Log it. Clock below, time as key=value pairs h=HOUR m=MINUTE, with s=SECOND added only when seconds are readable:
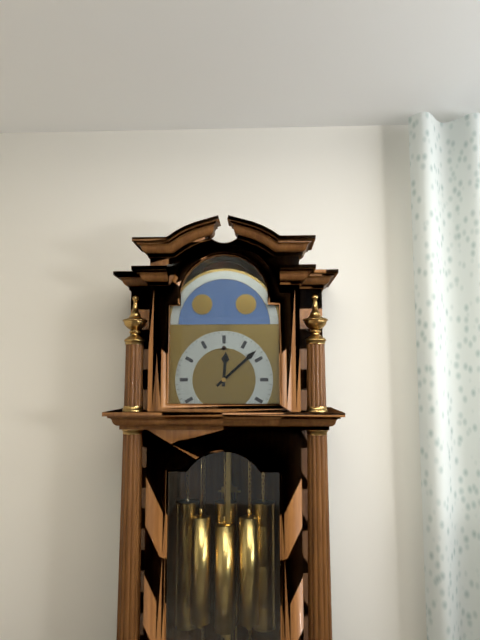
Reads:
h=12 m=8
